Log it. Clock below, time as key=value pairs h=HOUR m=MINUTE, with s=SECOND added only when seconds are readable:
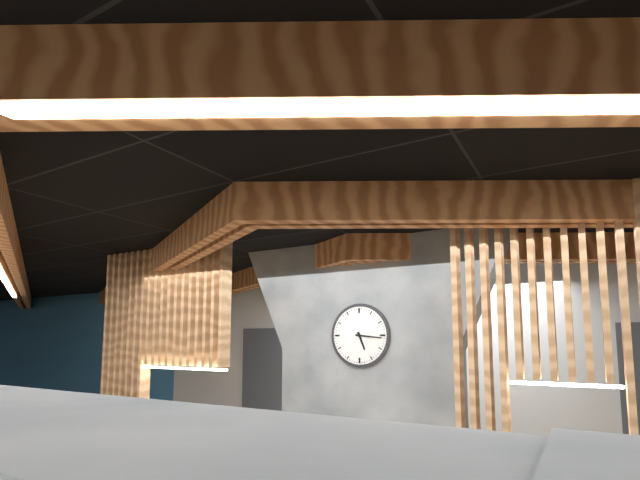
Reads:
h=5 m=16
